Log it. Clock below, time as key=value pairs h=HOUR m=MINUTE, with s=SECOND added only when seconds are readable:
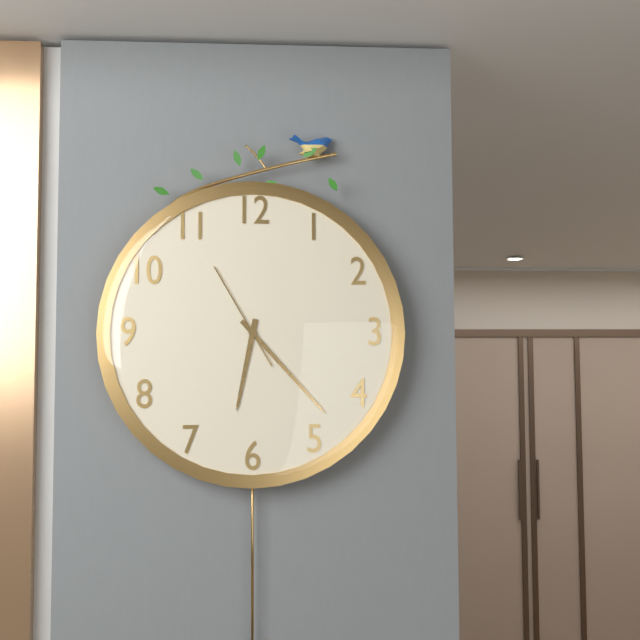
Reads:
h=6 m=23 s=55
